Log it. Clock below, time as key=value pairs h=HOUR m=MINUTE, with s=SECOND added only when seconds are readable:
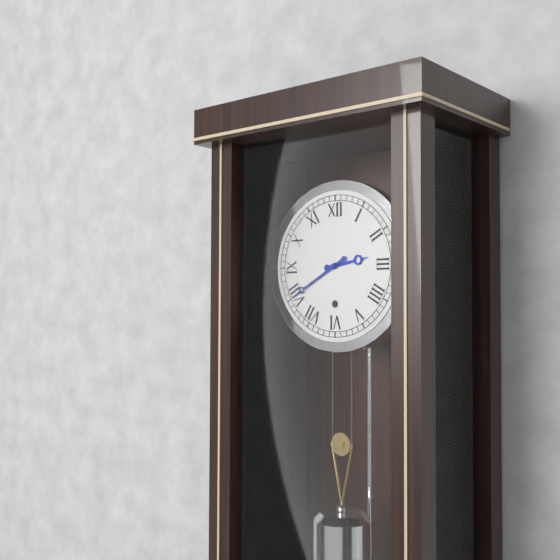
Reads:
h=2 m=40
